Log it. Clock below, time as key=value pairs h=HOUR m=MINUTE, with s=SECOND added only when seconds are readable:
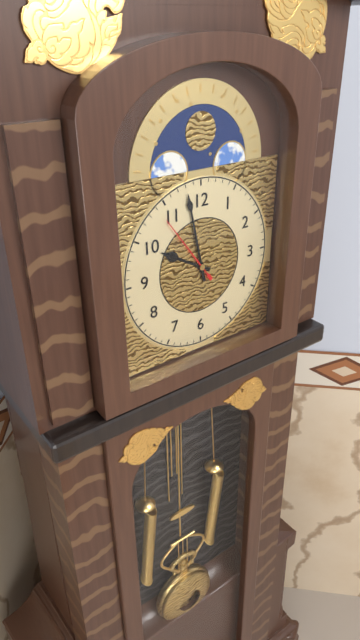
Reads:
h=9 m=58 s=54
